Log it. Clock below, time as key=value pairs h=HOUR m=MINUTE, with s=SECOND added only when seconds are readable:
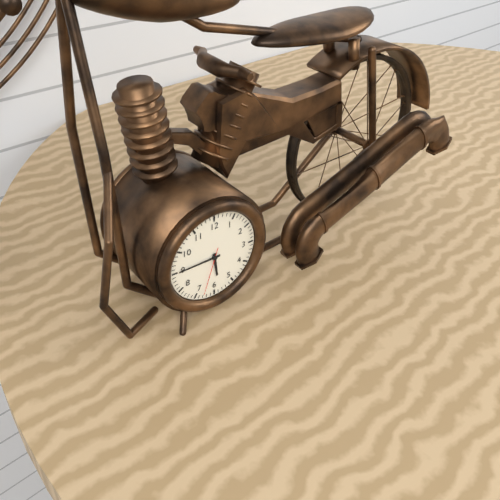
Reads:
h=5 m=45
